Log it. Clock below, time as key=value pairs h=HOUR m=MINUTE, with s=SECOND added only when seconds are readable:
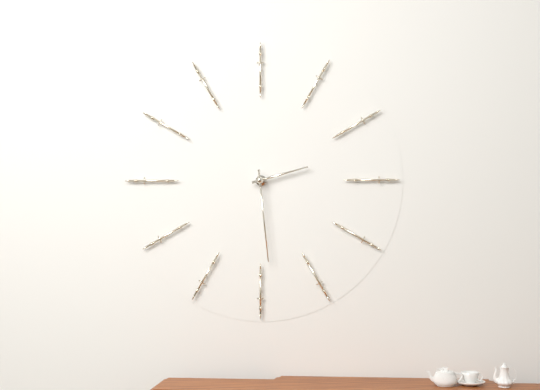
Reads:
h=2 m=29
